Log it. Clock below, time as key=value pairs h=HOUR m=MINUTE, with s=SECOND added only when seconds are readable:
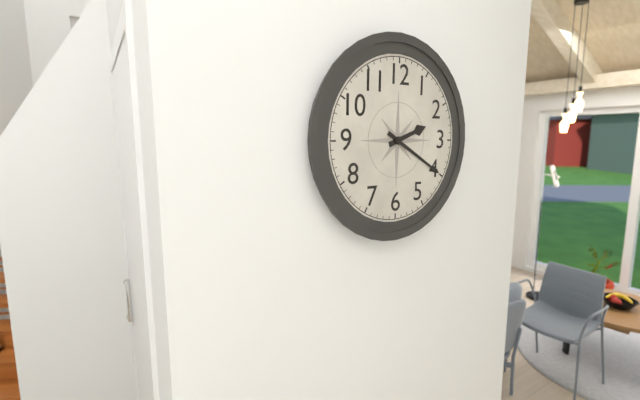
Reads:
h=2 m=20
